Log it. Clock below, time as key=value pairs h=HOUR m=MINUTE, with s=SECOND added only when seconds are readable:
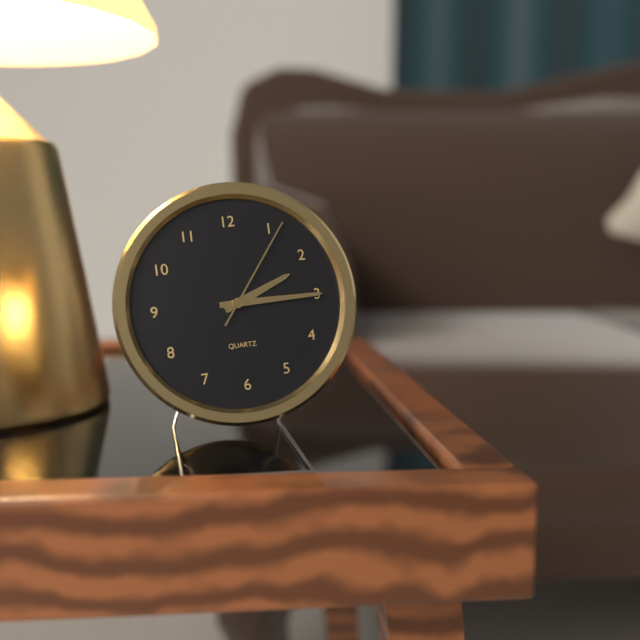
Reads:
h=2 m=15 s=6
